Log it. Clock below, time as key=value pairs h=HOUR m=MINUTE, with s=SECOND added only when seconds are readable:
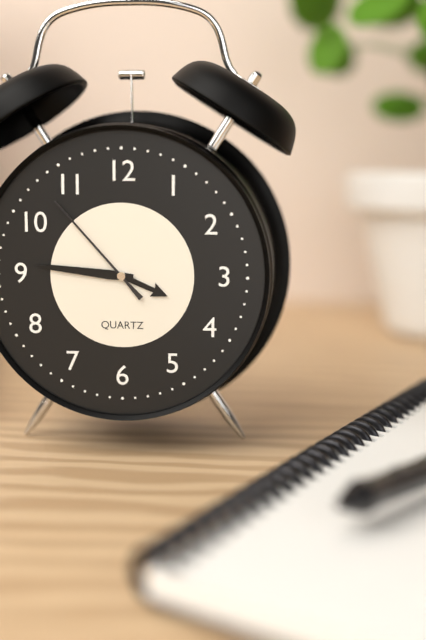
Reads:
h=3 m=46 s=53
